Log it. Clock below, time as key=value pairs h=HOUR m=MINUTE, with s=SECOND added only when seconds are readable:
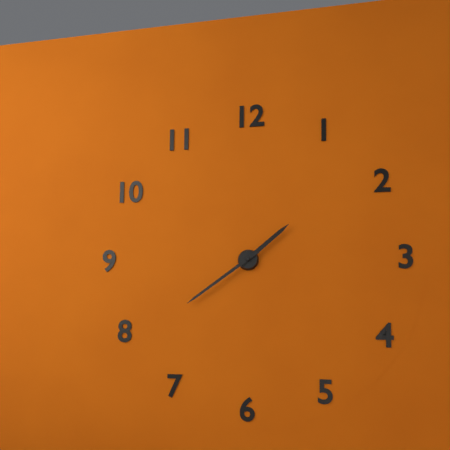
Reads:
h=1 m=39
